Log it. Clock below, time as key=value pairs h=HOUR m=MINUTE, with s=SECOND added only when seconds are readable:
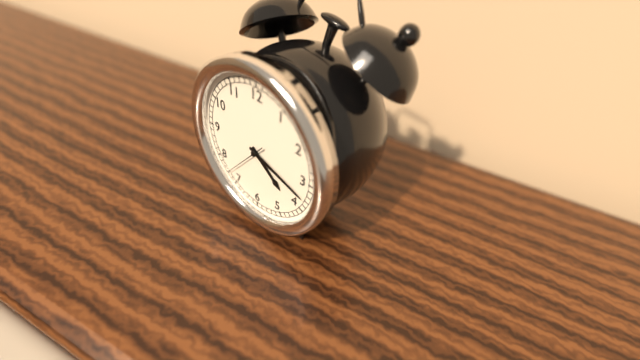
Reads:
h=4 m=18
